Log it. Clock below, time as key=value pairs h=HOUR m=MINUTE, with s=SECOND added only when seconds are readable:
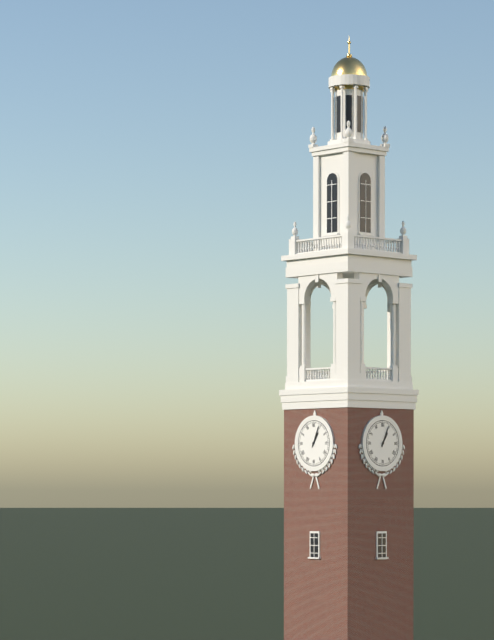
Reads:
h=1 m=4
